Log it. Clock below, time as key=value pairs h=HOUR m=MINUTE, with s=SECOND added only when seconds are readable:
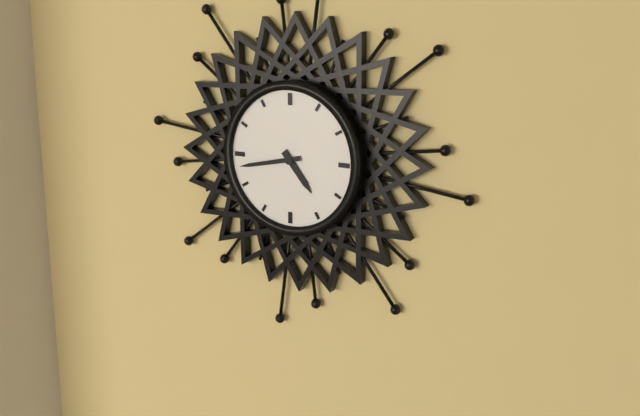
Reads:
h=4 m=43
